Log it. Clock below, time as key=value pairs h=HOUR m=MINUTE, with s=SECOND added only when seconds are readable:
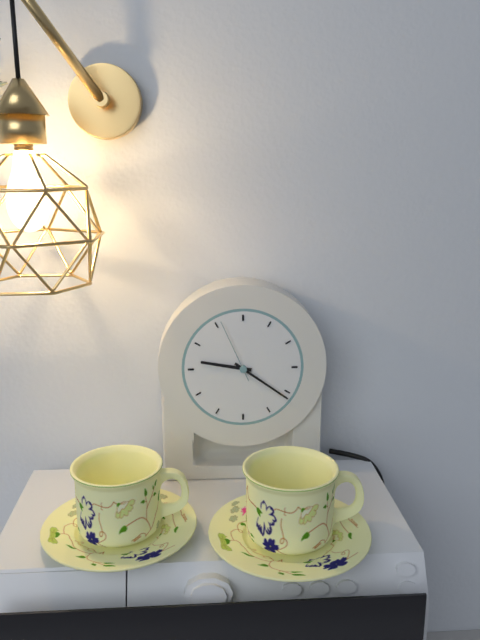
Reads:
h=9 m=21 s=56
